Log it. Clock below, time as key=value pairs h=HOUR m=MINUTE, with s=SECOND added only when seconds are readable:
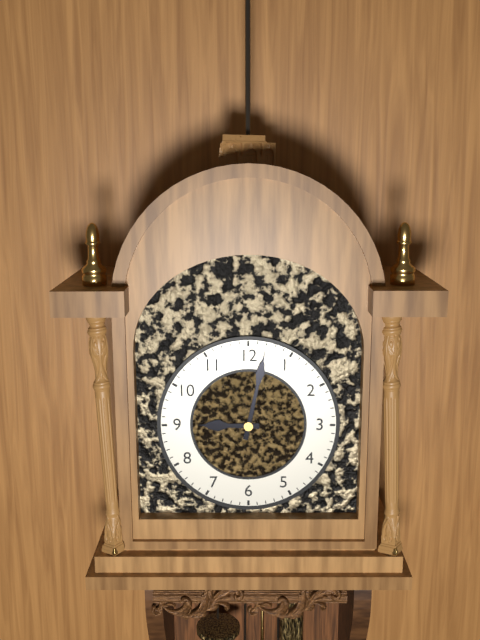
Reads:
h=9 m=2
